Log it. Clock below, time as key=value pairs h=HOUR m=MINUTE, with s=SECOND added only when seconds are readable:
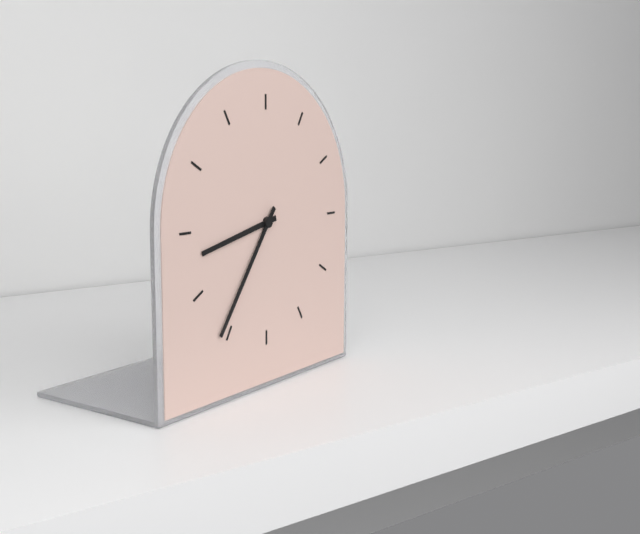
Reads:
h=8 m=36
